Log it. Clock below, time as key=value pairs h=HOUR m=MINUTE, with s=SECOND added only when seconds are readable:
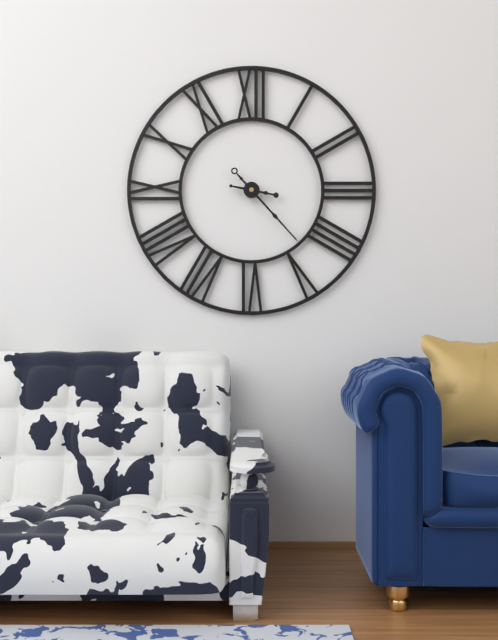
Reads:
h=3 m=23
